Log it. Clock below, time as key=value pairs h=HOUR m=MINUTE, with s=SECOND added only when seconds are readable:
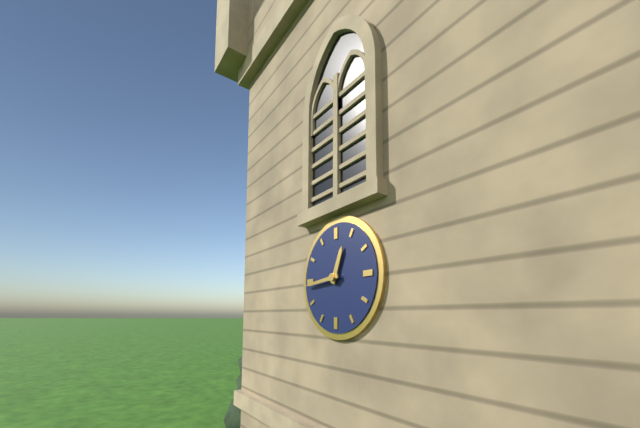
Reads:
h=12 m=44
